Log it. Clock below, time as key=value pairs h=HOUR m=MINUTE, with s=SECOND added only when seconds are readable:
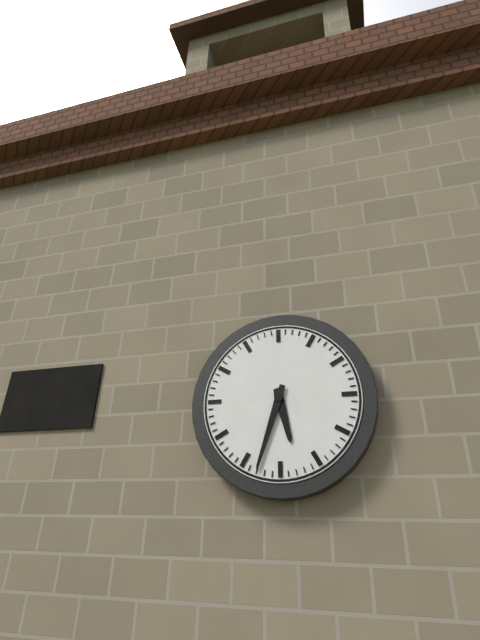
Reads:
h=5 m=33
